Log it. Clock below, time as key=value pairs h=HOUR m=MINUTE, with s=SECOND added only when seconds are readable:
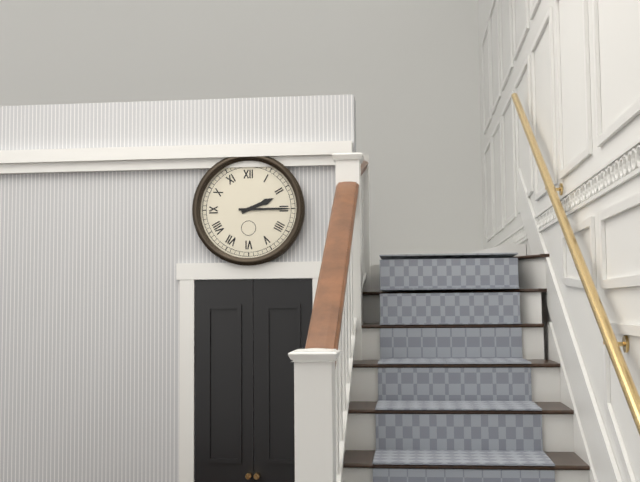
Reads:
h=2 m=15
